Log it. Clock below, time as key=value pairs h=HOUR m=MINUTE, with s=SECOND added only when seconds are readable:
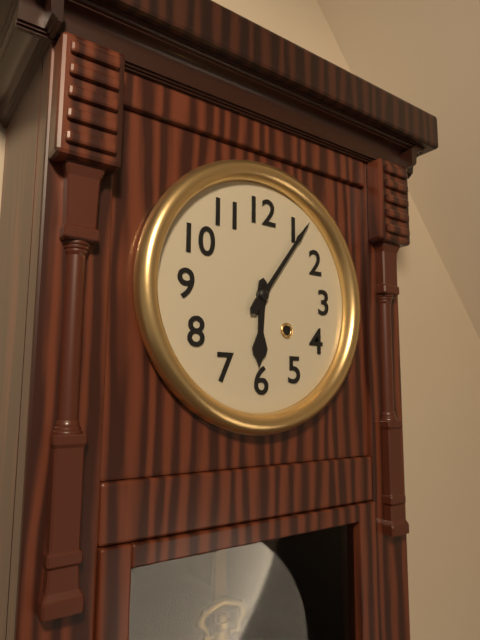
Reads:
h=6 m=6
